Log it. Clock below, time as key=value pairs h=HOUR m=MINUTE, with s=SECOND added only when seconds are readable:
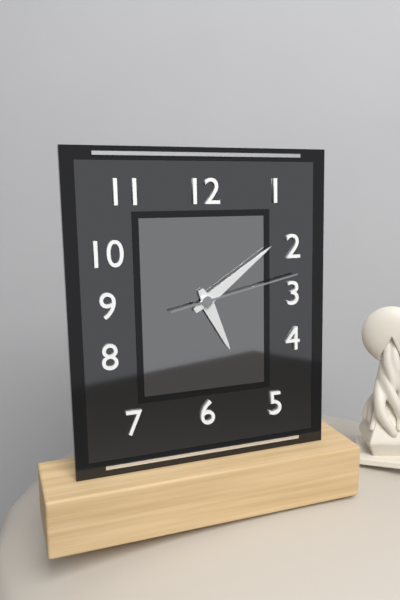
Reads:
h=5 m=9 s=13
